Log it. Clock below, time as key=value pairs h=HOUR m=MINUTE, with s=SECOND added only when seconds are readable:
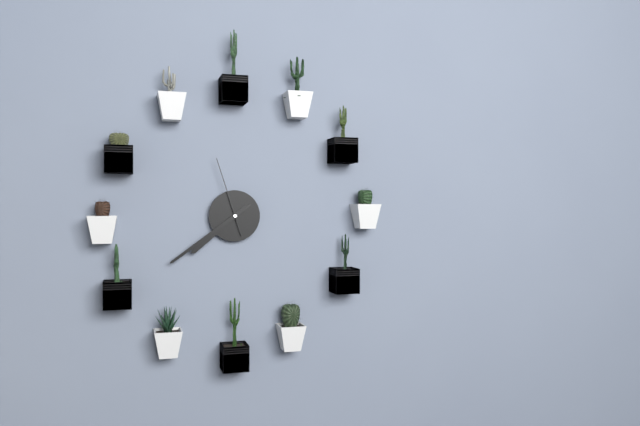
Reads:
h=7 m=39 s=57
